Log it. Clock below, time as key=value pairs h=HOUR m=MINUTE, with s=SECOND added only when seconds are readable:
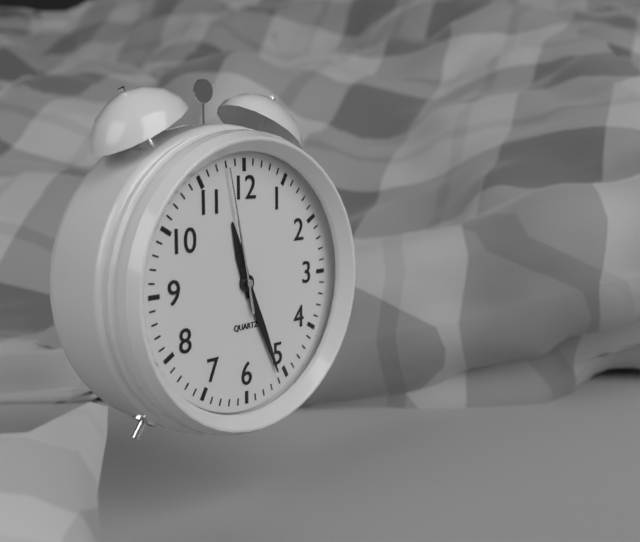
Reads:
h=11 m=26 s=58
